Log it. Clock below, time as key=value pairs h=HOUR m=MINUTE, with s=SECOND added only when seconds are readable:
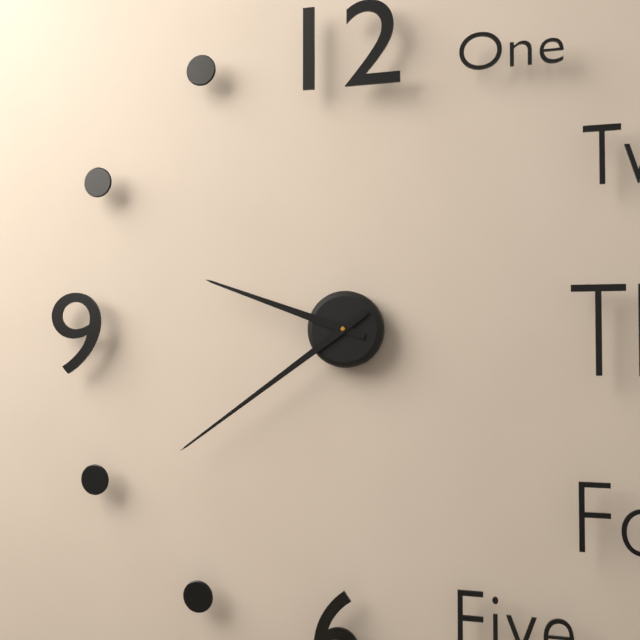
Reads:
h=9 m=39
